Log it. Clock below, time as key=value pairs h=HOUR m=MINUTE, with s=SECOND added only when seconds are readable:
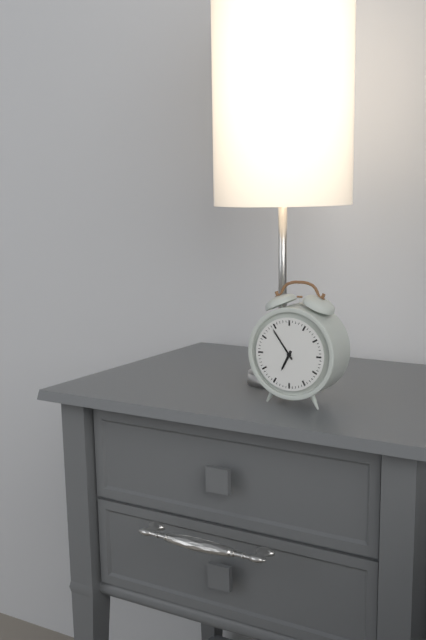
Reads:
h=6 m=54
